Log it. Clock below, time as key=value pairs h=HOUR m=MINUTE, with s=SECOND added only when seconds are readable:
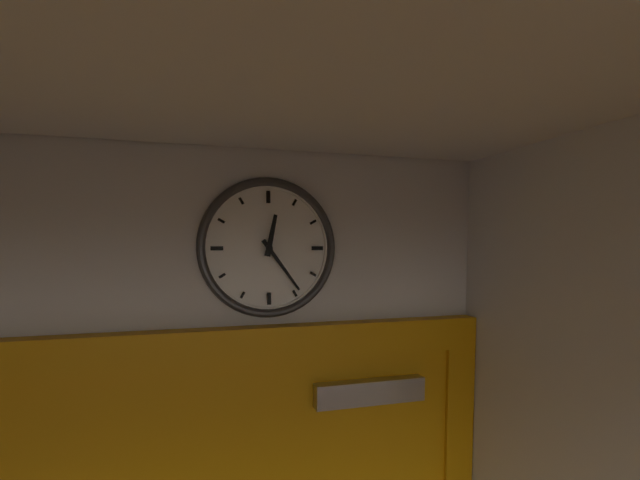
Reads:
h=12 m=24
